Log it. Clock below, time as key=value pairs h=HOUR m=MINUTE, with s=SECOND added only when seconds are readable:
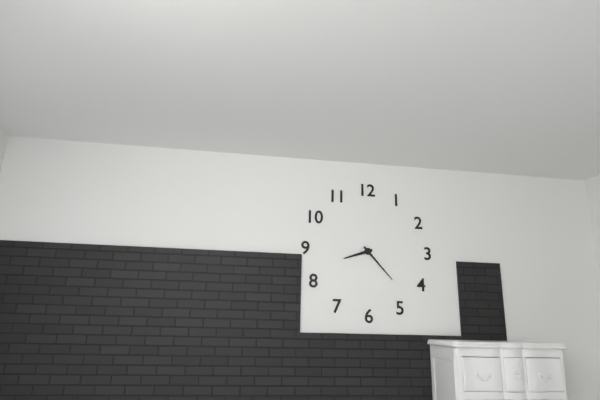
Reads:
h=8 m=23
